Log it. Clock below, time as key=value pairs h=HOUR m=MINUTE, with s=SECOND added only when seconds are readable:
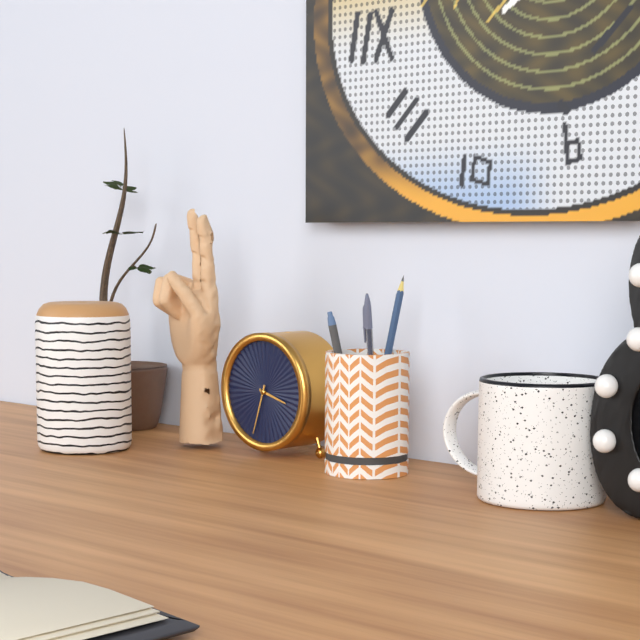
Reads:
h=3 m=33
